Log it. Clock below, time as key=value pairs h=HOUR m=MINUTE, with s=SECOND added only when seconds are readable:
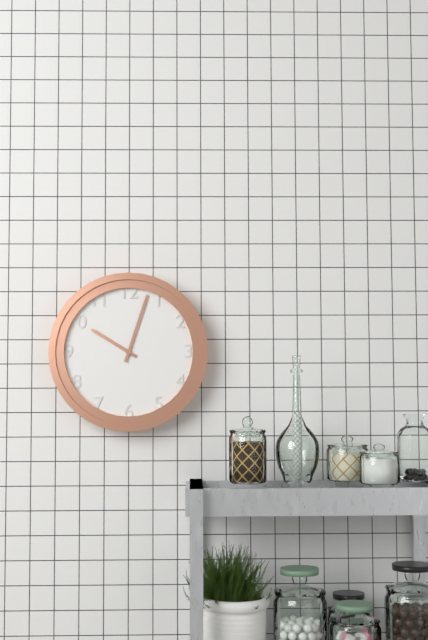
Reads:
h=10 m=3
